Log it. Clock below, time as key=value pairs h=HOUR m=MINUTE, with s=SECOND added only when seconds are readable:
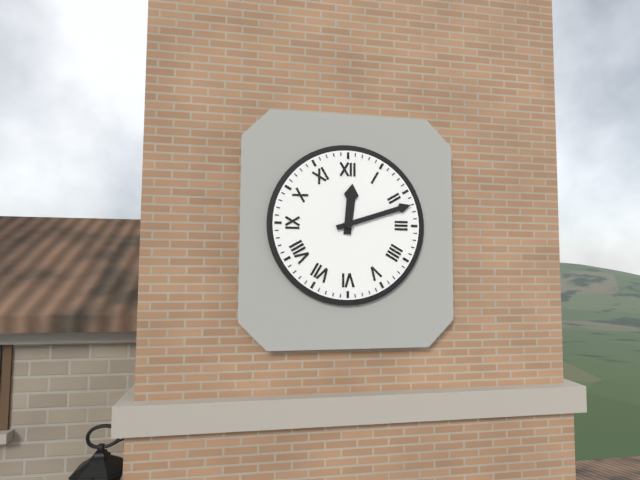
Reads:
h=12 m=12
